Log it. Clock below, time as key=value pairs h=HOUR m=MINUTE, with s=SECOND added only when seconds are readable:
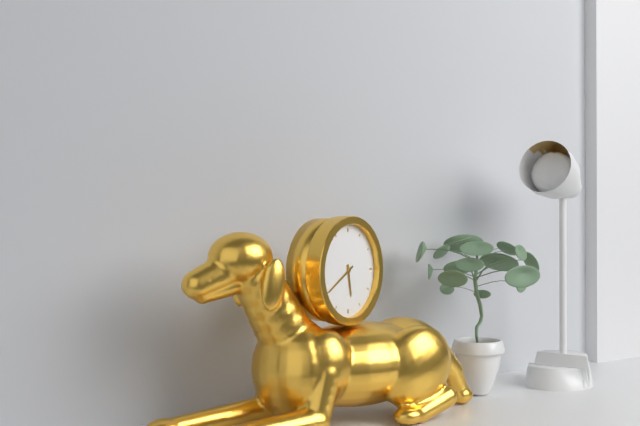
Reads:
h=5 m=40
